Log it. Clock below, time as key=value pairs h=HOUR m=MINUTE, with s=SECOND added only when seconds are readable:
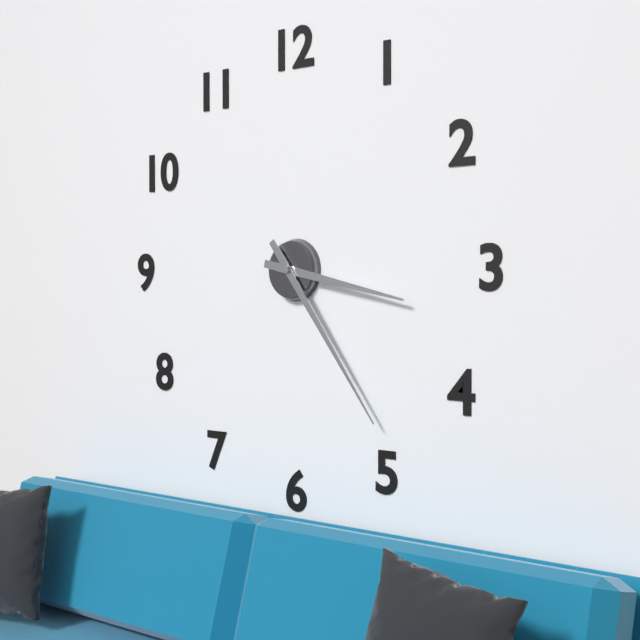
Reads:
h=3 m=24
